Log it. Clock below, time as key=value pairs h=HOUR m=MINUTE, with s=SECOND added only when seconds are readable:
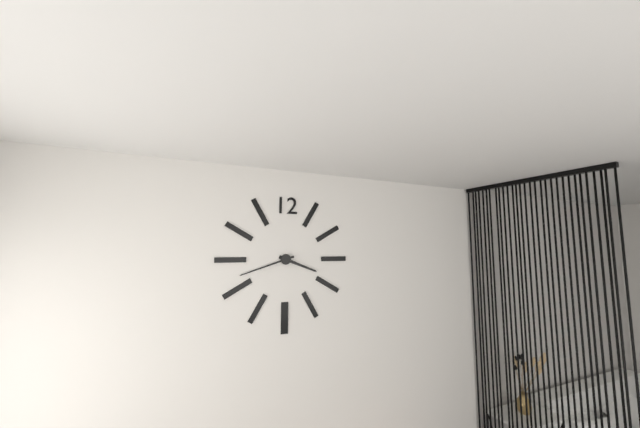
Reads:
h=3 m=42
